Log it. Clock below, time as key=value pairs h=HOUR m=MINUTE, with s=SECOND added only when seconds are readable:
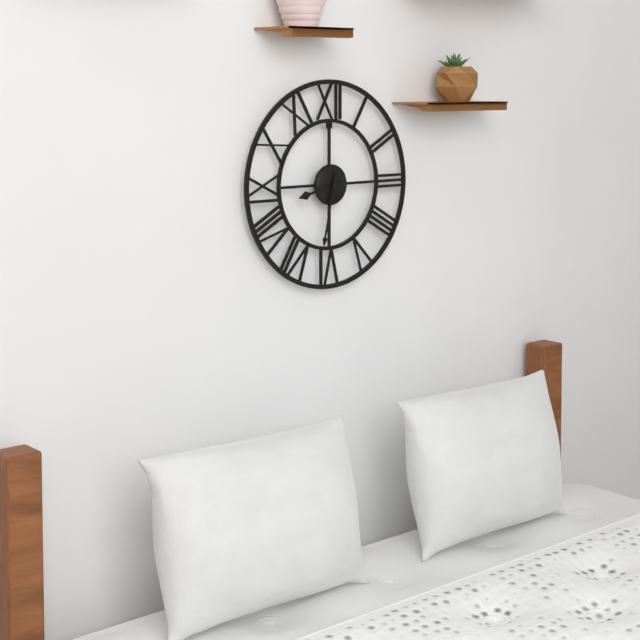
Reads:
h=8 m=32
